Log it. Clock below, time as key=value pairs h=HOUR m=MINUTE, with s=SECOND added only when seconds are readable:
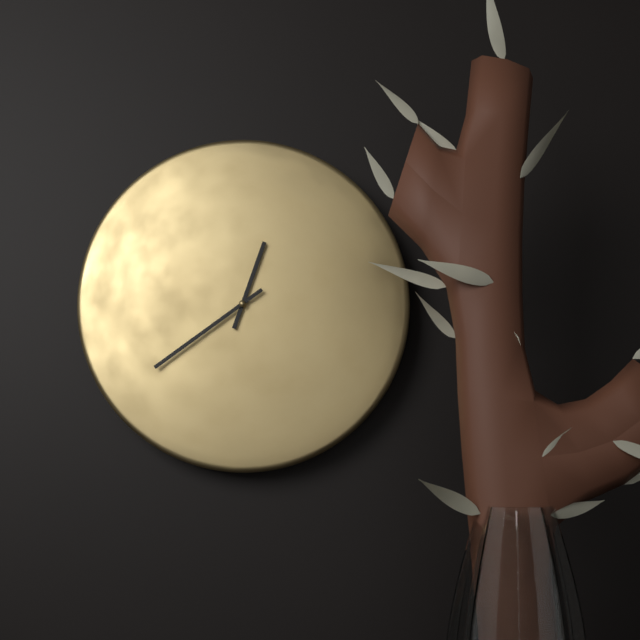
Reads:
h=12 m=39
